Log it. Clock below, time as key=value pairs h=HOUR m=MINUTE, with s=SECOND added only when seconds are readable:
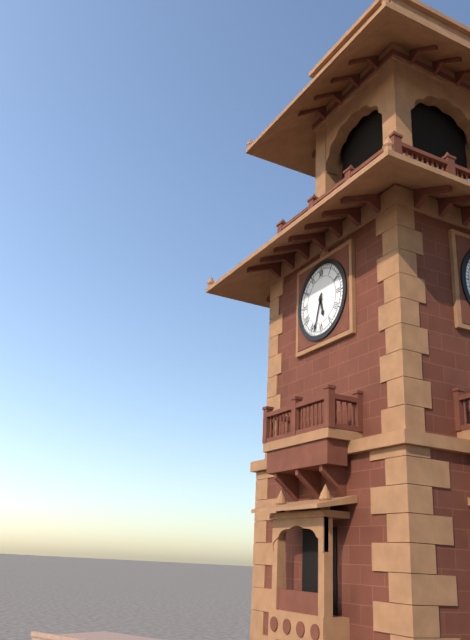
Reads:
h=5 m=33
